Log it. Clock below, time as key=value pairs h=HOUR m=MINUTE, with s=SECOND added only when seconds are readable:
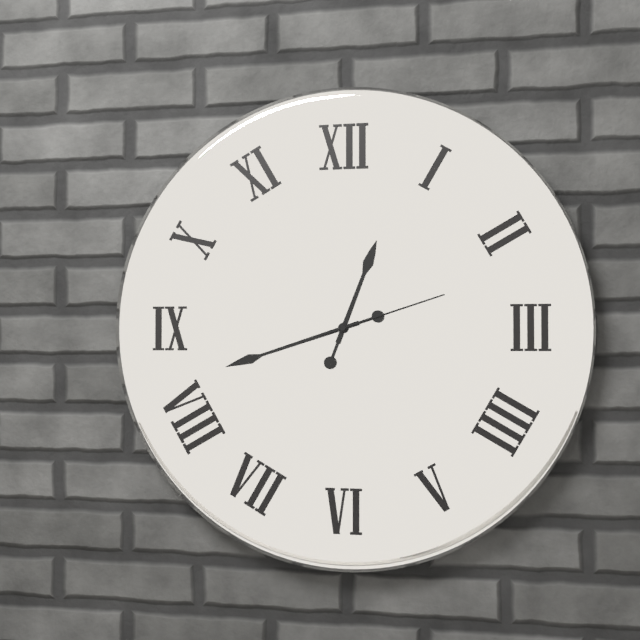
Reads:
h=12 m=42 s=12
